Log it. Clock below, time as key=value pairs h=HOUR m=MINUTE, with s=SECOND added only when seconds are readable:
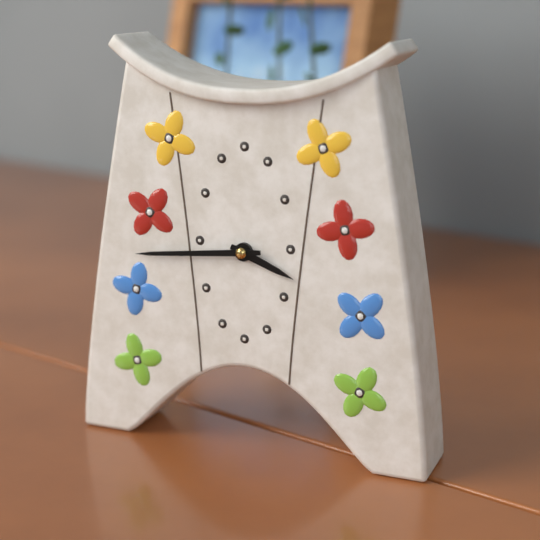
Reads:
h=3 m=44
